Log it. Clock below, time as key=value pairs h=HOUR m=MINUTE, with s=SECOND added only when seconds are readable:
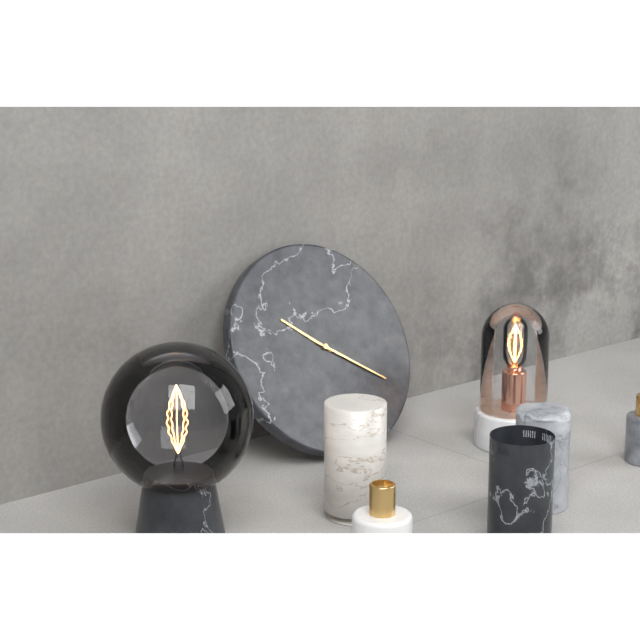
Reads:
h=10 m=21
